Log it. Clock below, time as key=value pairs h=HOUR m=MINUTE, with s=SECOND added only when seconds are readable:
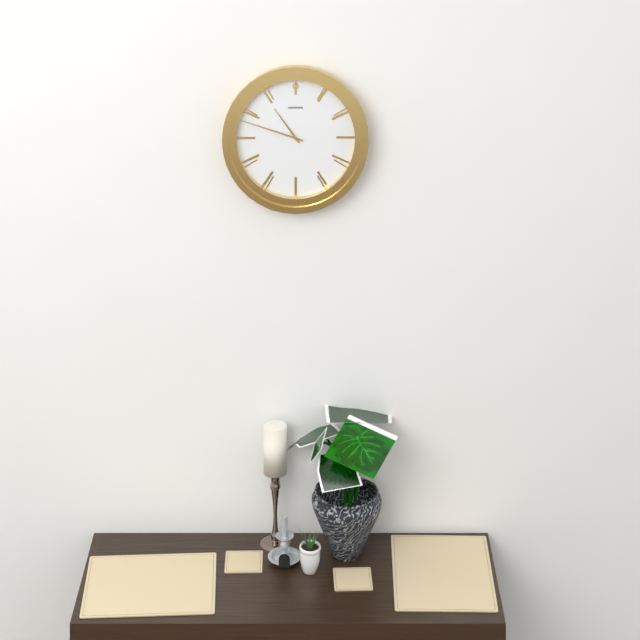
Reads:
h=10 m=48
